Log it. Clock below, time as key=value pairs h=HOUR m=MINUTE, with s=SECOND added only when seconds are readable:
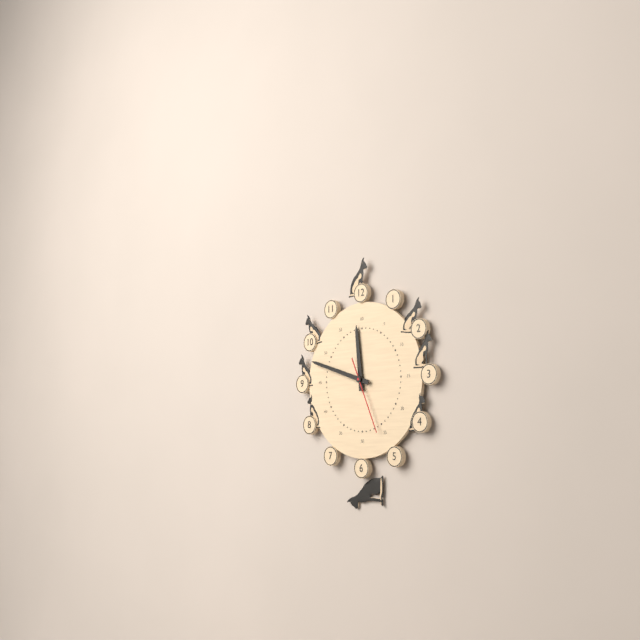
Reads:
h=11 m=48 s=26
